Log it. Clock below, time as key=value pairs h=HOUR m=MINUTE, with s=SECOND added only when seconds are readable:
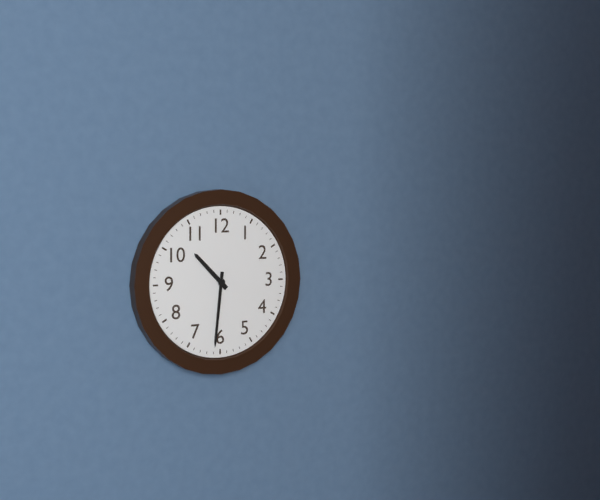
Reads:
h=10 m=31
